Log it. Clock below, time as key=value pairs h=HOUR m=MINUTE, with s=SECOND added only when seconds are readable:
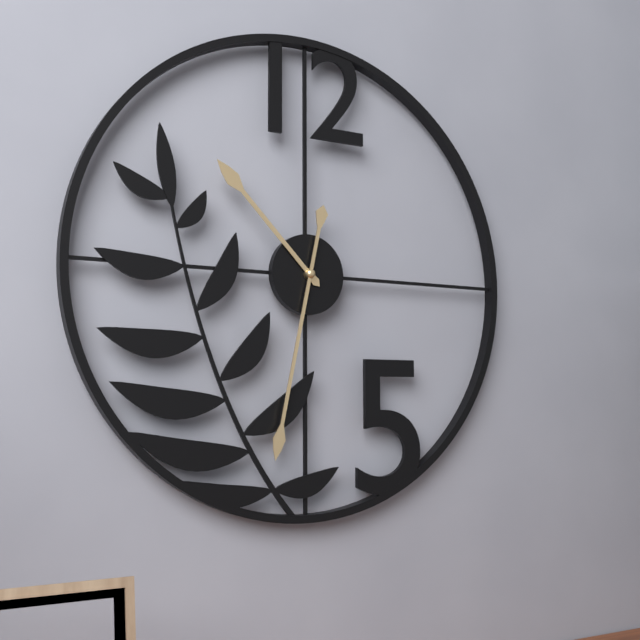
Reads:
h=10 m=32
